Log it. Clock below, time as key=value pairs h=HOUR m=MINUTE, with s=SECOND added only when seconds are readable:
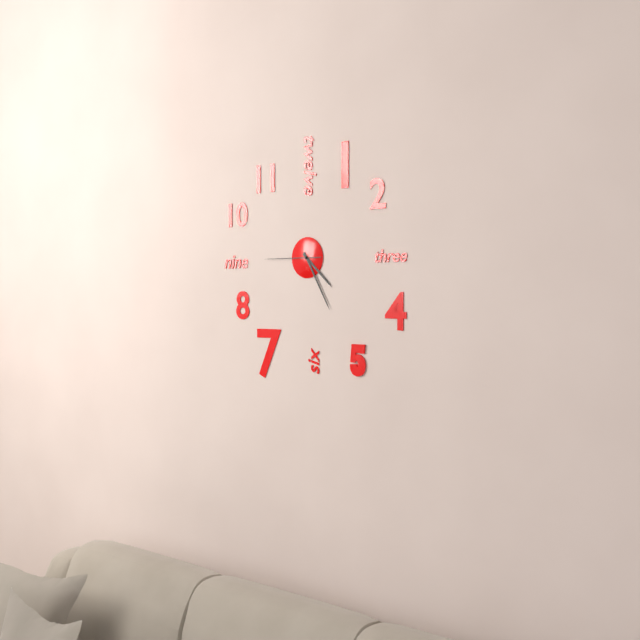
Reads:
h=4 m=25 s=45
